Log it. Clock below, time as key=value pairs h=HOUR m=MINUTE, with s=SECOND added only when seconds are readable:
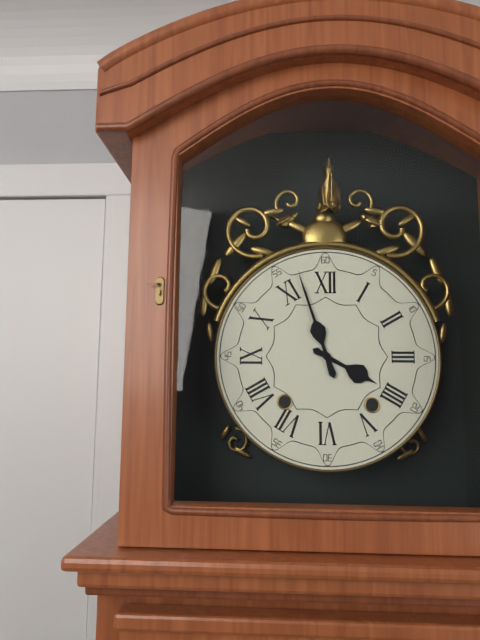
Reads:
h=3 m=57
